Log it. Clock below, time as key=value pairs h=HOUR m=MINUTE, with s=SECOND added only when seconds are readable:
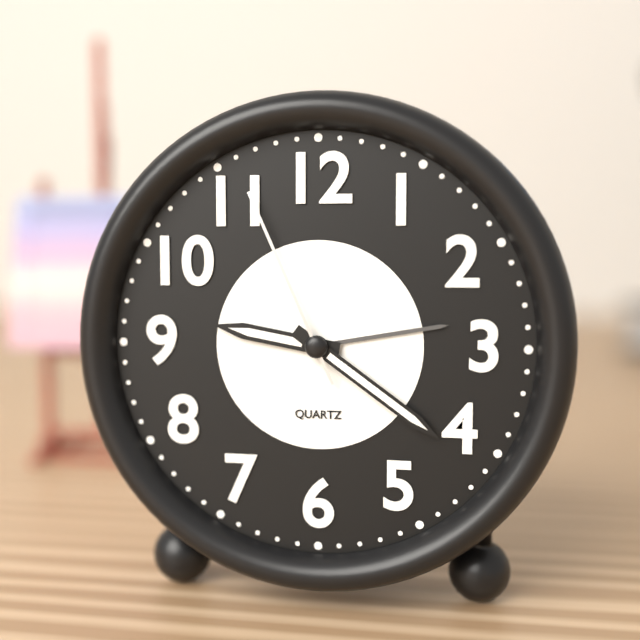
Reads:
h=9 m=21 s=56
